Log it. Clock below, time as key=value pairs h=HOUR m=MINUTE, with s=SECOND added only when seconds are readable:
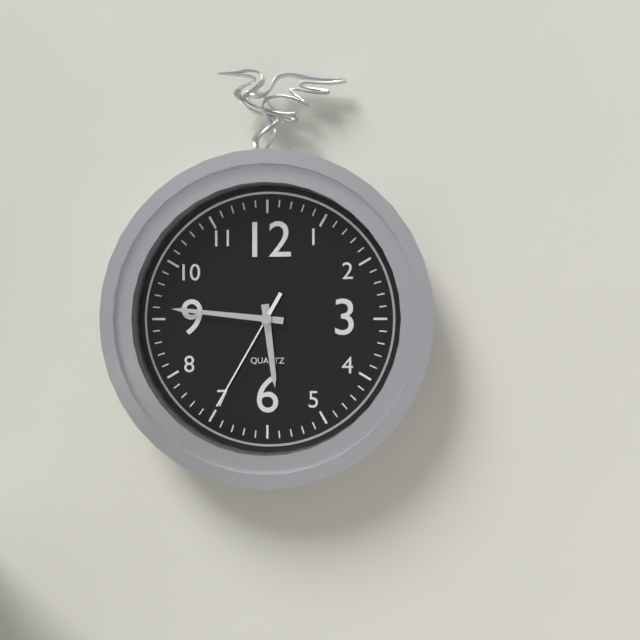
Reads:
h=5 m=46 s=35
